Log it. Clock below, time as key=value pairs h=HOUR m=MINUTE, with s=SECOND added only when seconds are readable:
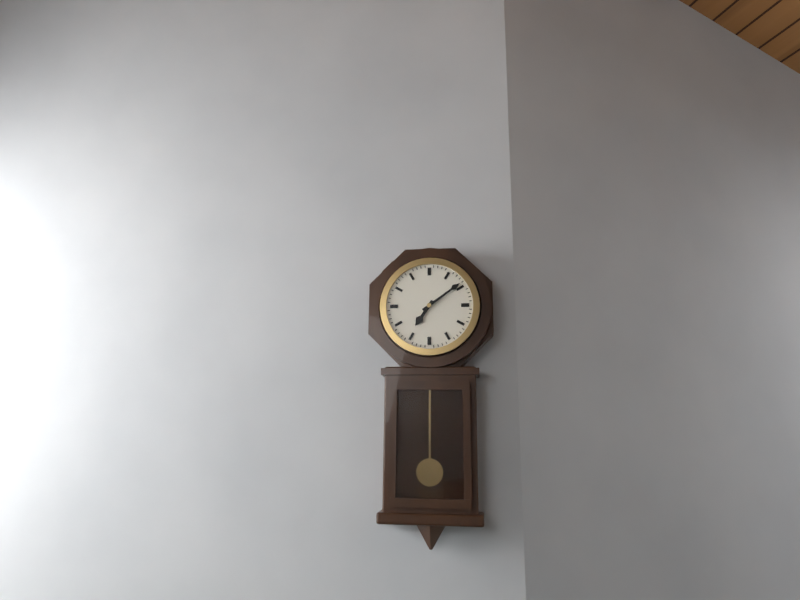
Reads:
h=7 m=9
